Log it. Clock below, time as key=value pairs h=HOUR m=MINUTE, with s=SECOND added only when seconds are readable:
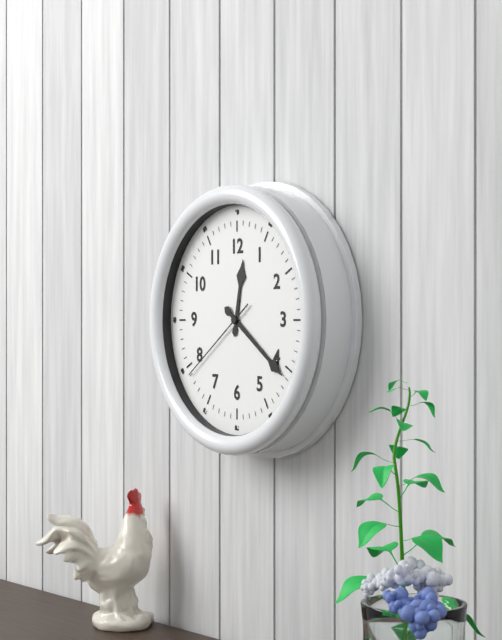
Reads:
h=12 m=21 s=39
